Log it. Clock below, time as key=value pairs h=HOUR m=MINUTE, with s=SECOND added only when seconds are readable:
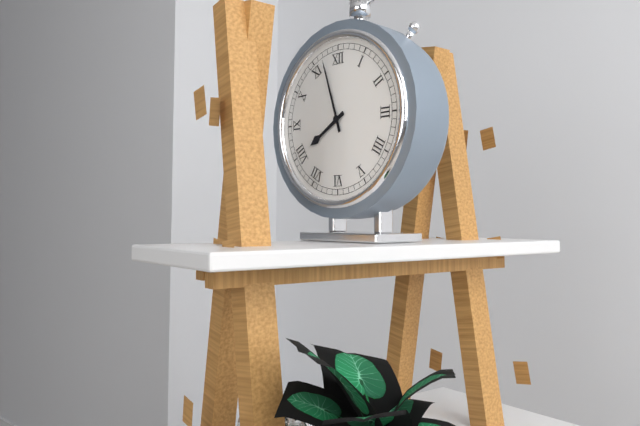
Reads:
h=7 m=57
